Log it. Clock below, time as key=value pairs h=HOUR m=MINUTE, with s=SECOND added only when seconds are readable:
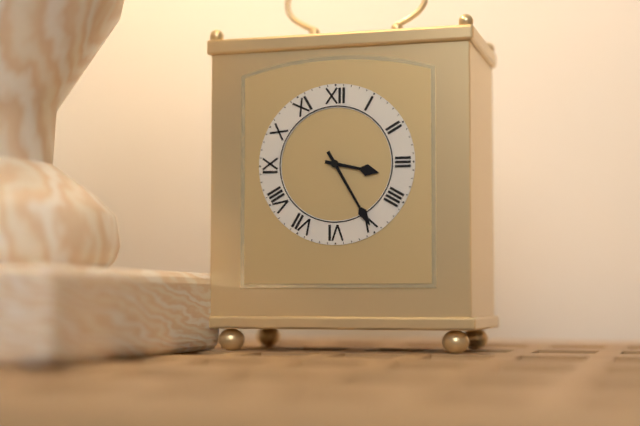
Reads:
h=3 m=25
